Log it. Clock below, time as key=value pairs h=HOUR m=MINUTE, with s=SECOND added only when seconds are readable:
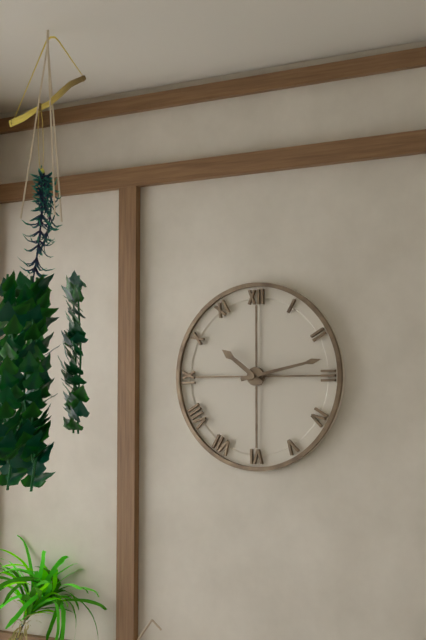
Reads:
h=10 m=13
